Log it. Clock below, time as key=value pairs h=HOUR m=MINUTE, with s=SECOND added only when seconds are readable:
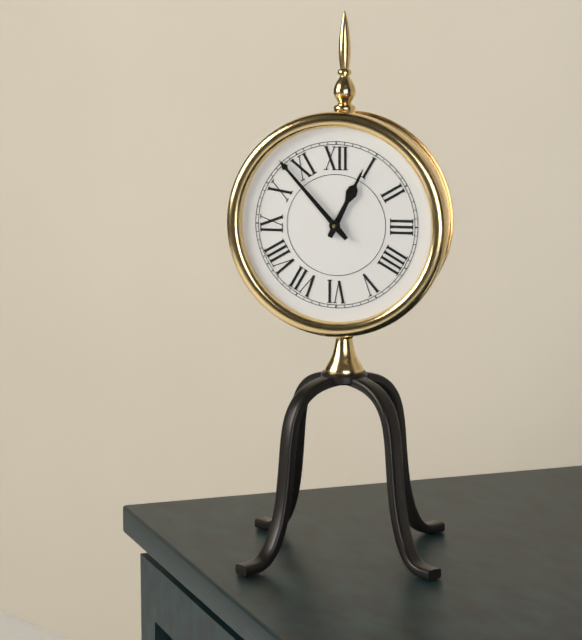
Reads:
h=12 m=53
